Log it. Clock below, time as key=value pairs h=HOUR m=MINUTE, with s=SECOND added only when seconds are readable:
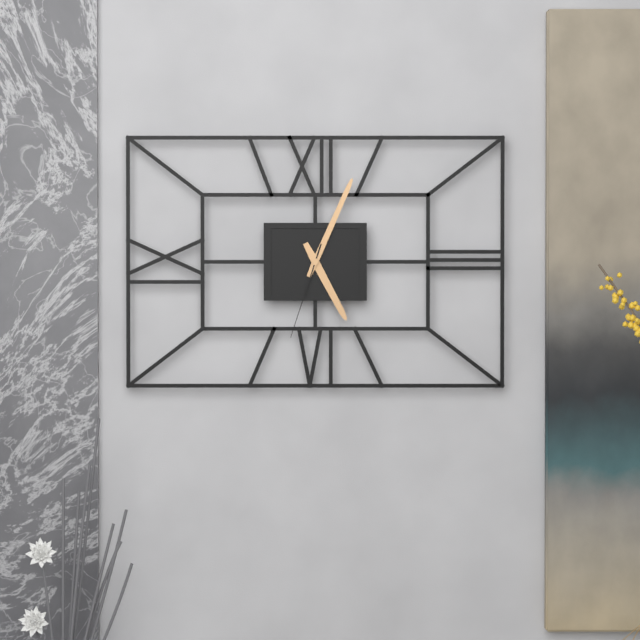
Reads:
h=5 m=4 s=33
